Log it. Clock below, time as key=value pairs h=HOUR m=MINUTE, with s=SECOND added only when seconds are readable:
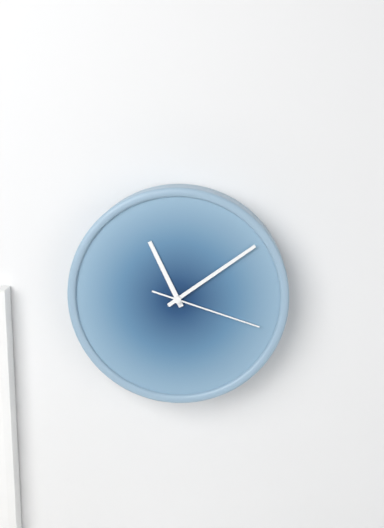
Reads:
h=11 m=9 s=18
